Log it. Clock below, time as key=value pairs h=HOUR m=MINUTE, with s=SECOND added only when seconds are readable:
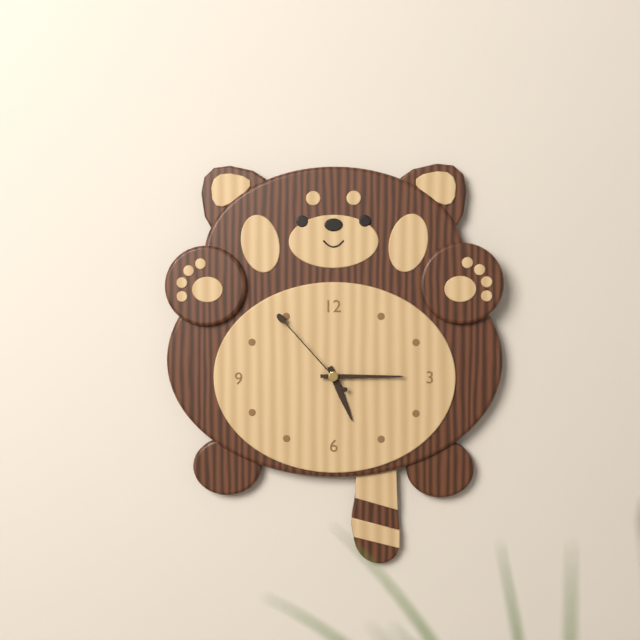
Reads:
h=5 m=15 s=53
